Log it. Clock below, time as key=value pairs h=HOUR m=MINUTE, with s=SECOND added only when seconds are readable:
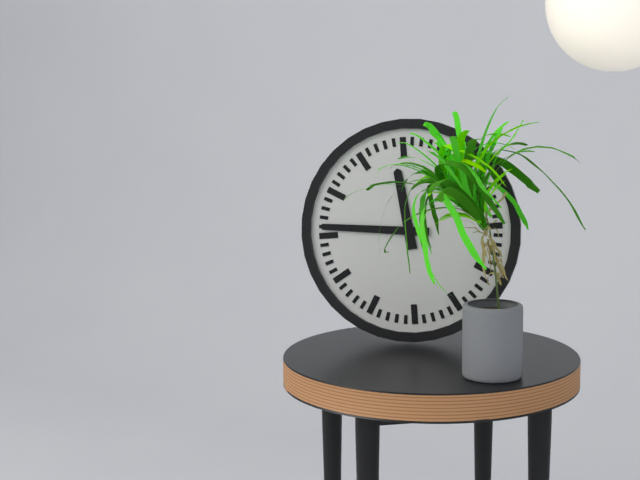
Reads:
h=11 m=46
